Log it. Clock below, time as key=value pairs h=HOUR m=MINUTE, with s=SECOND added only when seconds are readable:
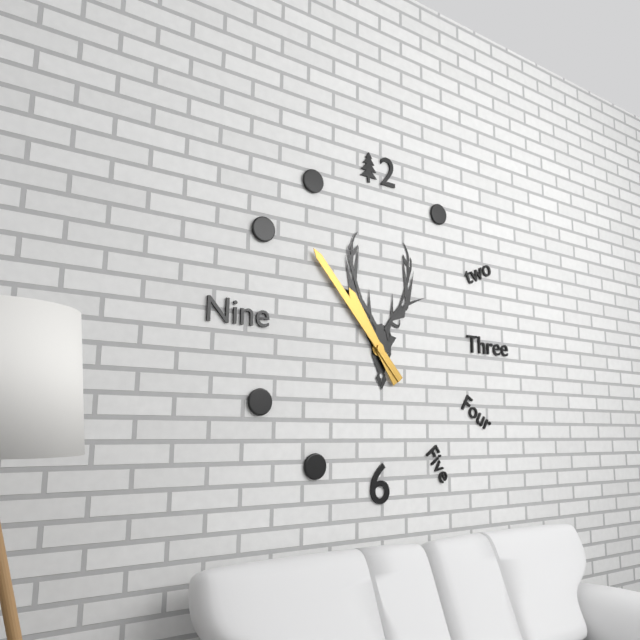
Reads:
h=10 m=53
